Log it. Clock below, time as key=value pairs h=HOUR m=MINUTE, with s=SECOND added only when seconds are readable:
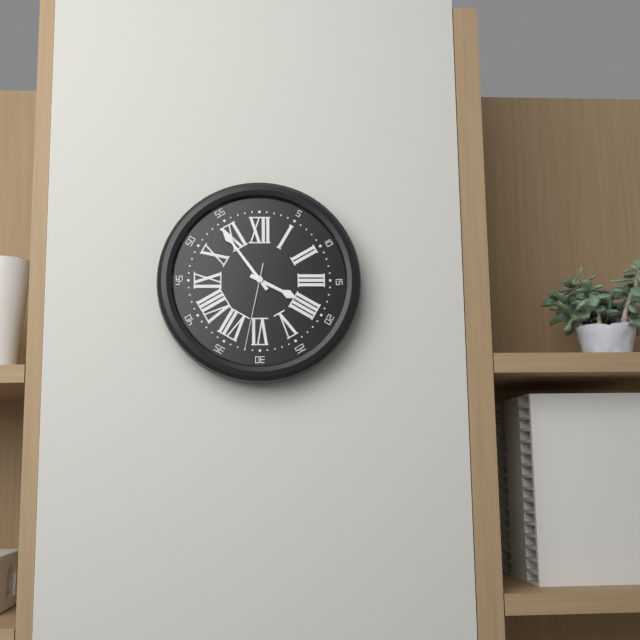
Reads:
h=3 m=54 s=32
